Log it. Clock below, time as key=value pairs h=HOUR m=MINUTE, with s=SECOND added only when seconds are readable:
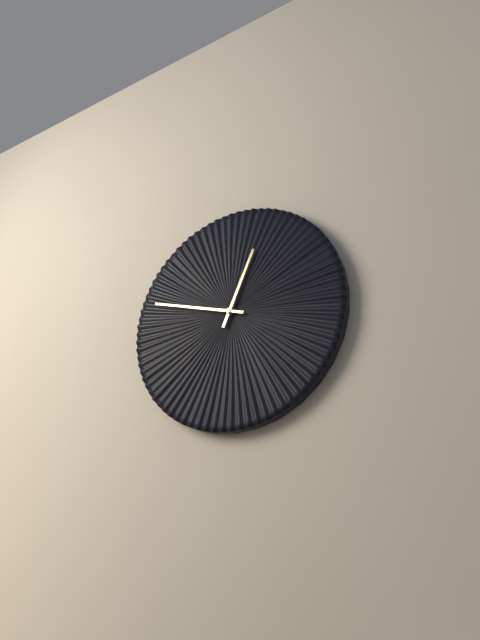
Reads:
h=12 m=48
